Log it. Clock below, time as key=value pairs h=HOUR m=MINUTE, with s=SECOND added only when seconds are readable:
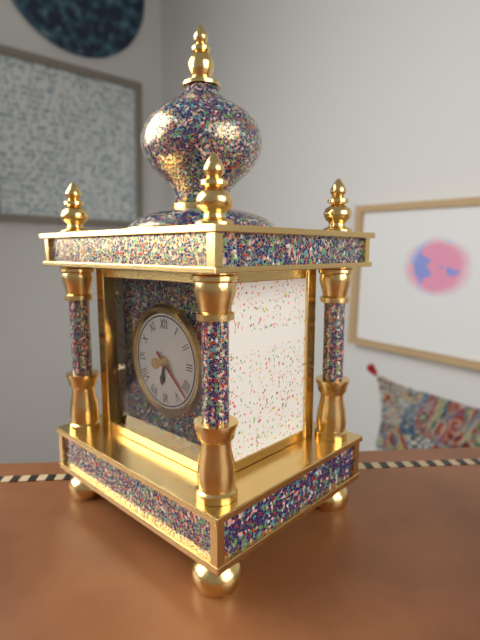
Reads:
h=6 m=22
